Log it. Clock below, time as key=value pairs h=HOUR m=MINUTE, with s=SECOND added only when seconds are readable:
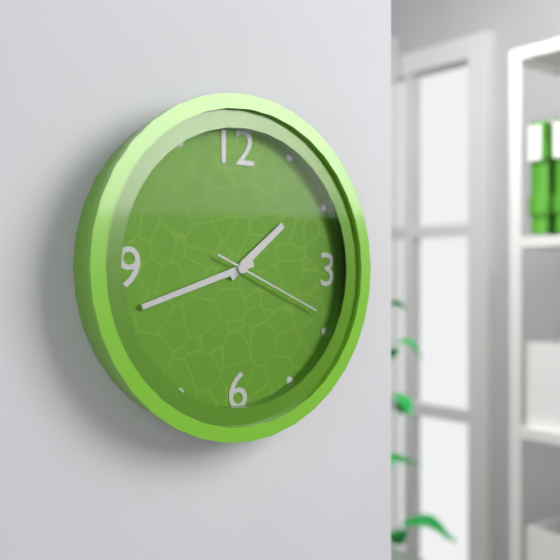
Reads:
h=1 m=42 s=19
